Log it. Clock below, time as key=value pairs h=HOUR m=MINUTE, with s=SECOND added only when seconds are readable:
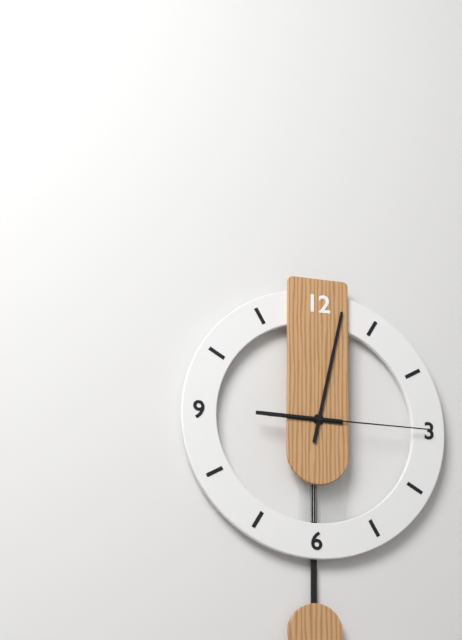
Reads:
h=9 m=2 s=15
